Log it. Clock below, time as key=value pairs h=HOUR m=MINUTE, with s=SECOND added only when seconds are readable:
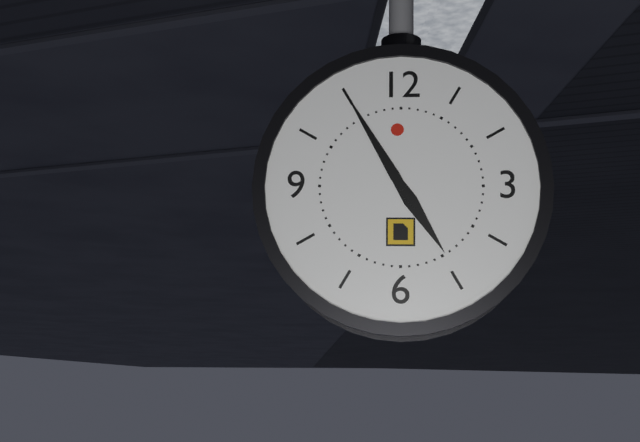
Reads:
h=4 m=55
